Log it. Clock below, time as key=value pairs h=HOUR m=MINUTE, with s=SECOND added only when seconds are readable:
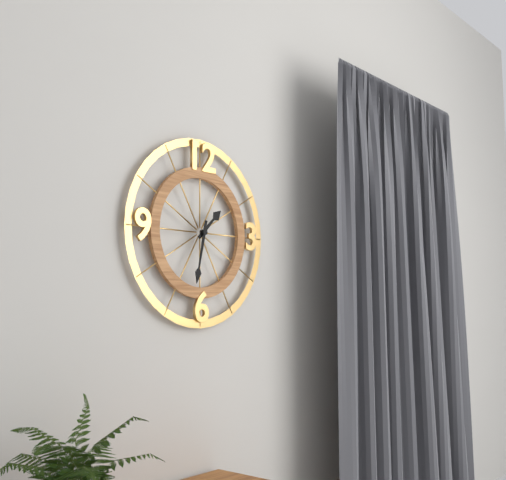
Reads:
h=1 m=32
